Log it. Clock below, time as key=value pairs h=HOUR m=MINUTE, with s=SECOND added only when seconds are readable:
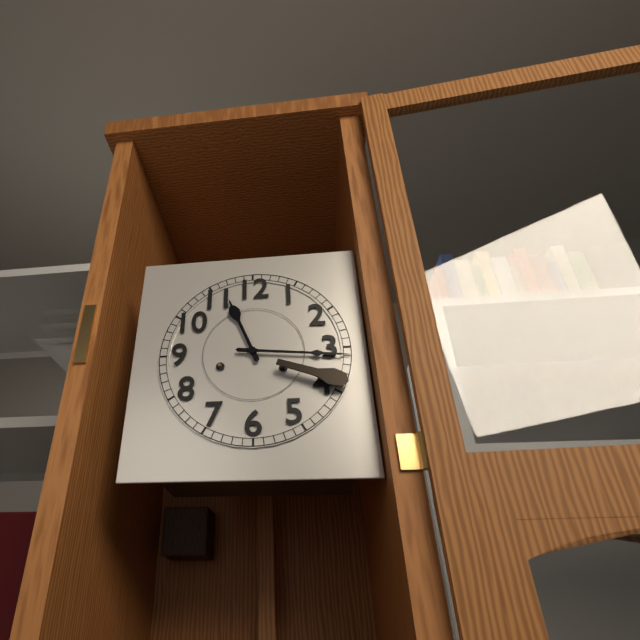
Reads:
h=11 m=16
